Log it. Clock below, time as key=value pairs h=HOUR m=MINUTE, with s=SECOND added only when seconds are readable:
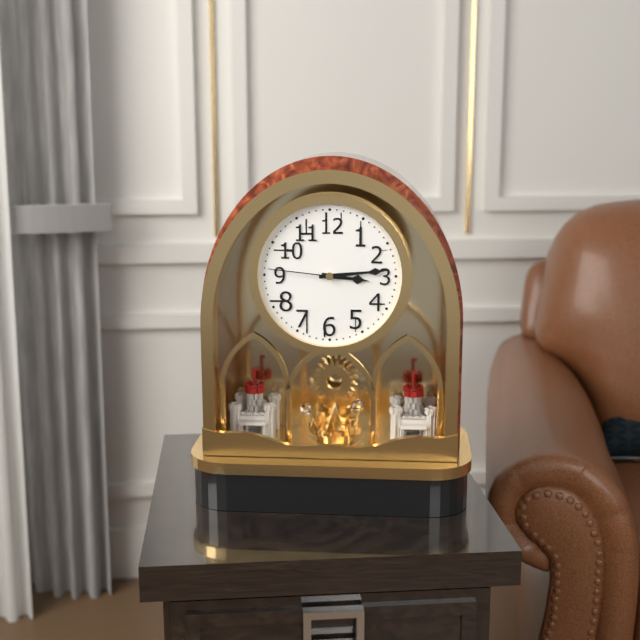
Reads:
h=3 m=14 s=46
